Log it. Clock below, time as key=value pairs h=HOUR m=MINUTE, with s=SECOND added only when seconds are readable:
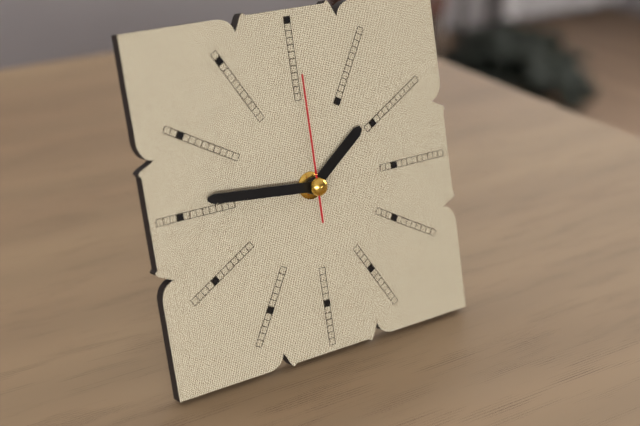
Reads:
h=1 m=46 s=0
